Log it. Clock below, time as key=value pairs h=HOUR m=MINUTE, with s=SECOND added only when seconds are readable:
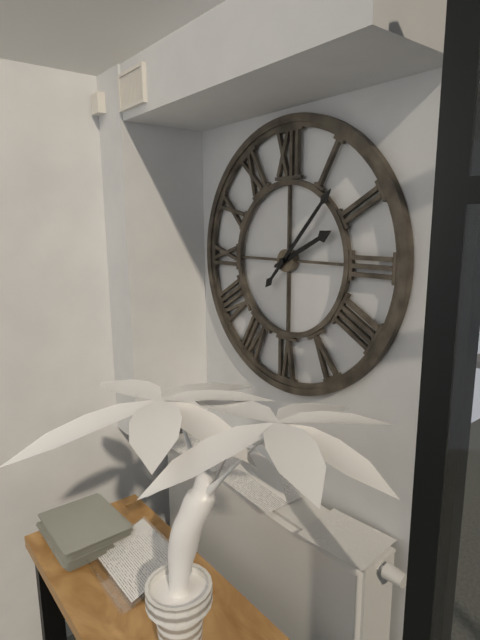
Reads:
h=2 m=7
